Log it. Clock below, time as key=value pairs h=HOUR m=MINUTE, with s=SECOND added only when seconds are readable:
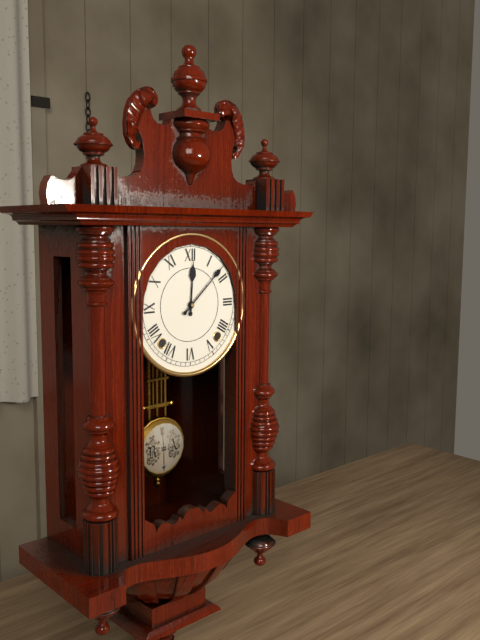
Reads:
h=12 m=8
